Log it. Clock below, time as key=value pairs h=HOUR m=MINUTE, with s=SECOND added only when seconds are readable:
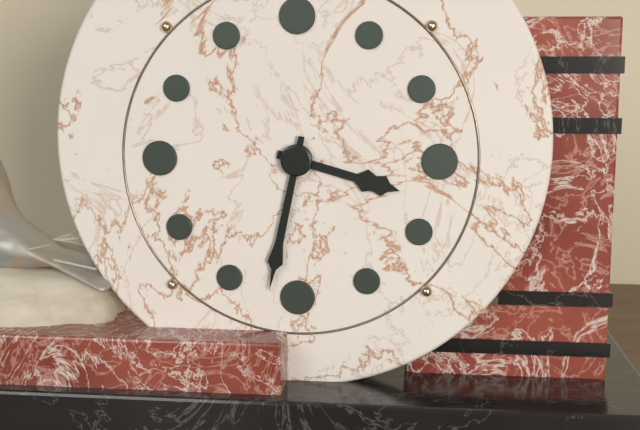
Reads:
h=3 m=32
